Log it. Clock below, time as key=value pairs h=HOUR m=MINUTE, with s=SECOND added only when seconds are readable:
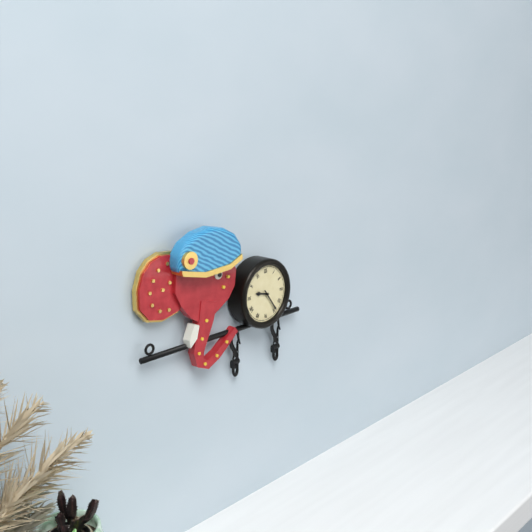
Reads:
h=9 m=24
